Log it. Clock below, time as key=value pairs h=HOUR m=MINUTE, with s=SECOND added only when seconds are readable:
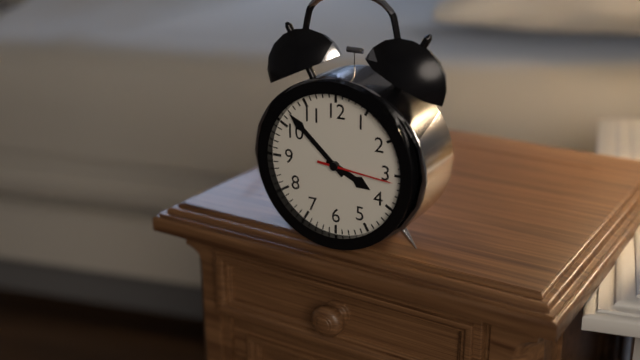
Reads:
h=3 m=52 s=16
